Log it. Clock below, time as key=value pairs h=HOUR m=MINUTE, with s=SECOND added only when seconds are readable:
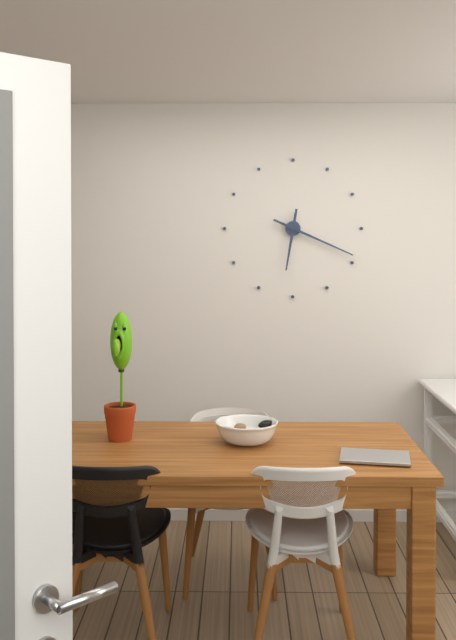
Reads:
h=6 m=19
